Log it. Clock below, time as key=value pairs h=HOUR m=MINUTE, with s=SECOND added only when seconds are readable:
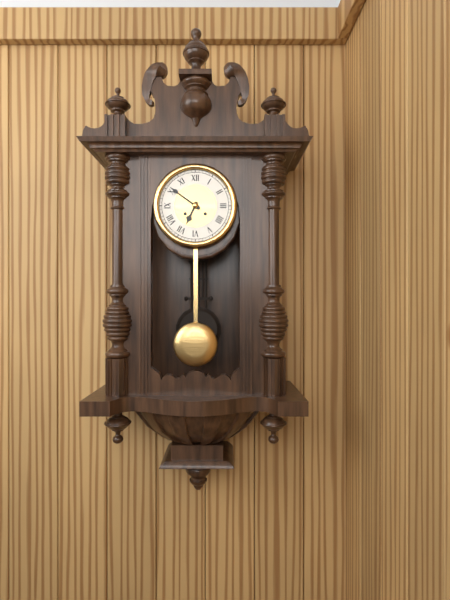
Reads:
h=6 m=51
